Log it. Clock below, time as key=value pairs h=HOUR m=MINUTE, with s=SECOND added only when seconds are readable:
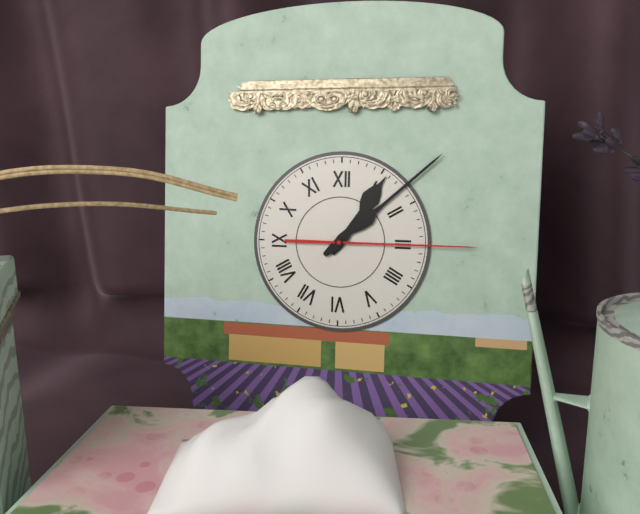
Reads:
h=1 m=8 s=15
